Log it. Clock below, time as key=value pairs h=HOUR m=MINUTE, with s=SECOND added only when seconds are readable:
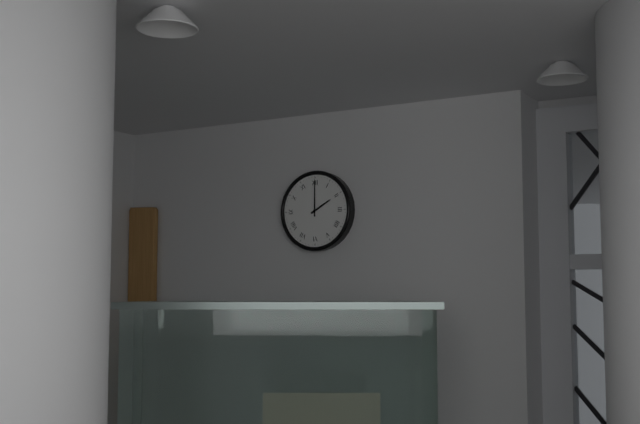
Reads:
h=2 m=0
